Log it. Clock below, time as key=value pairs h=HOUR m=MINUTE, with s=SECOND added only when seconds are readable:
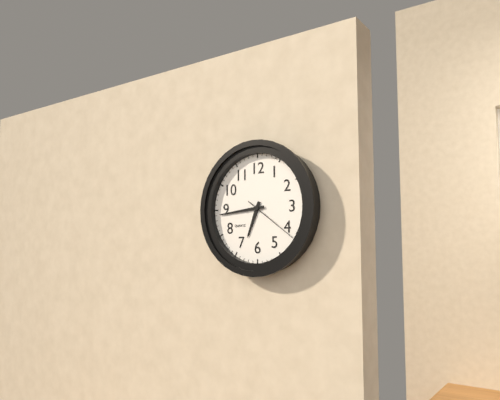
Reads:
h=6 m=44 s=21
